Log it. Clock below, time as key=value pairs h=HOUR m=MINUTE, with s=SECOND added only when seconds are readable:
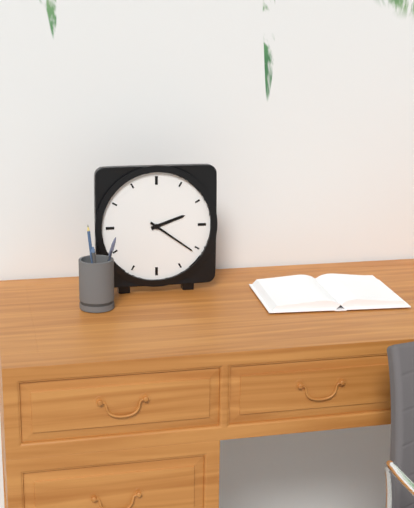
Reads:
h=2 m=21
